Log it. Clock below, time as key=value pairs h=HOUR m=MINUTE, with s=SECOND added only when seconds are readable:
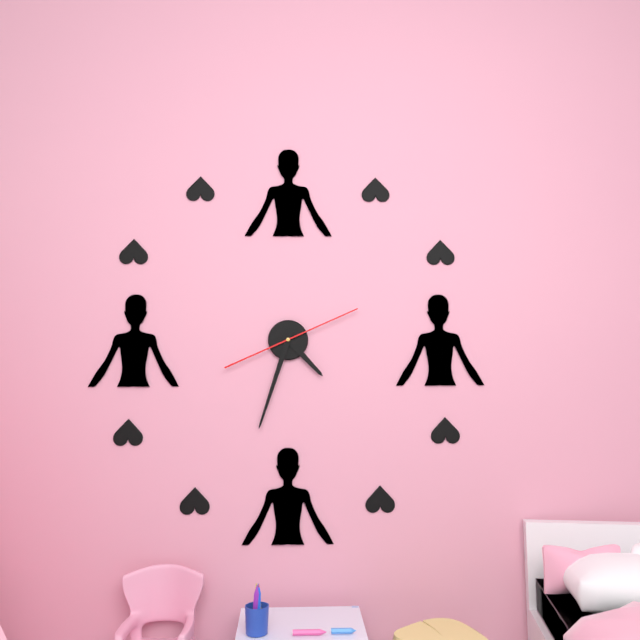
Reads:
h=4 m=33 s=11
